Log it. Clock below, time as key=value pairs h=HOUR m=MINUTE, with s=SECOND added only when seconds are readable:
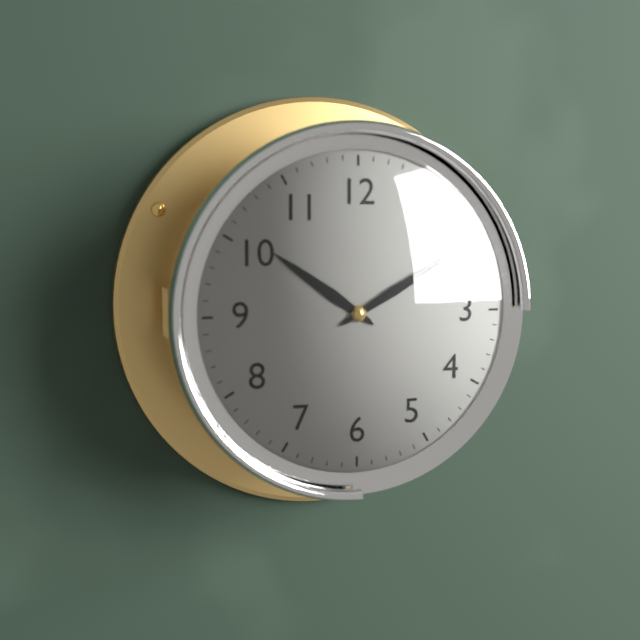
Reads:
h=10 m=10
